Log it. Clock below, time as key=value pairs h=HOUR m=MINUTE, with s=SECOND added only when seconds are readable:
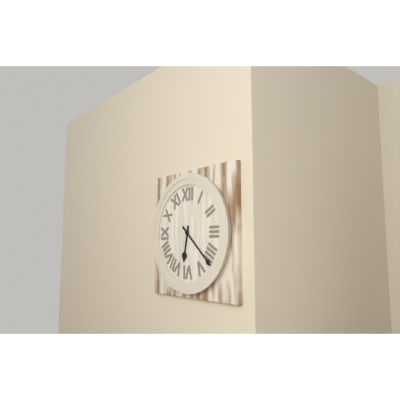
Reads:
h=6 m=22
